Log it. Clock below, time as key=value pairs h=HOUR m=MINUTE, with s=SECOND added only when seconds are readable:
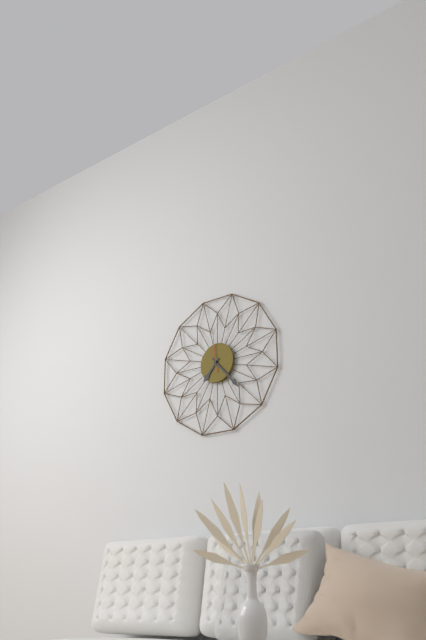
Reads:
h=7 m=23
